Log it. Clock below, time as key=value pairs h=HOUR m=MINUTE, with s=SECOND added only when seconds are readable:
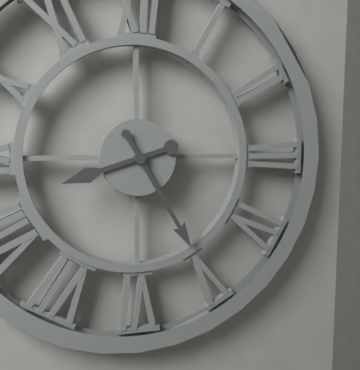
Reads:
h=8 m=25
